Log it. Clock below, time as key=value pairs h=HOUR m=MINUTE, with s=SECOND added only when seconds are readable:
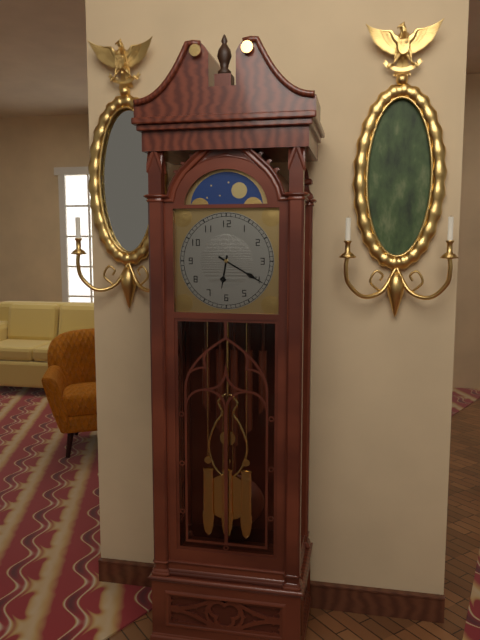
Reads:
h=6 m=20
